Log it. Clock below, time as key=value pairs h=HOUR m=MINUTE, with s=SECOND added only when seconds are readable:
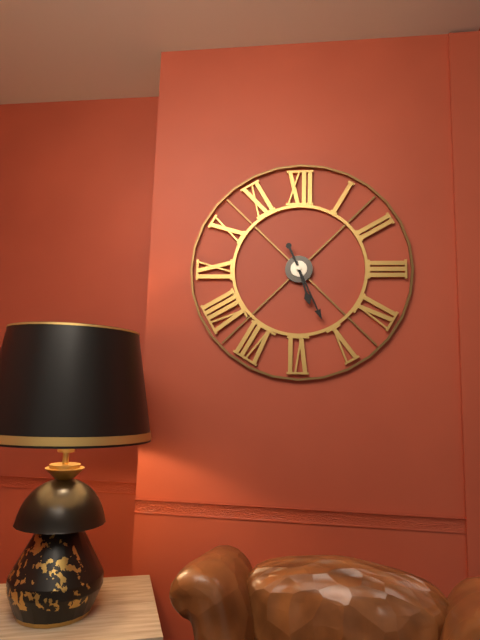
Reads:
h=5 m=26
